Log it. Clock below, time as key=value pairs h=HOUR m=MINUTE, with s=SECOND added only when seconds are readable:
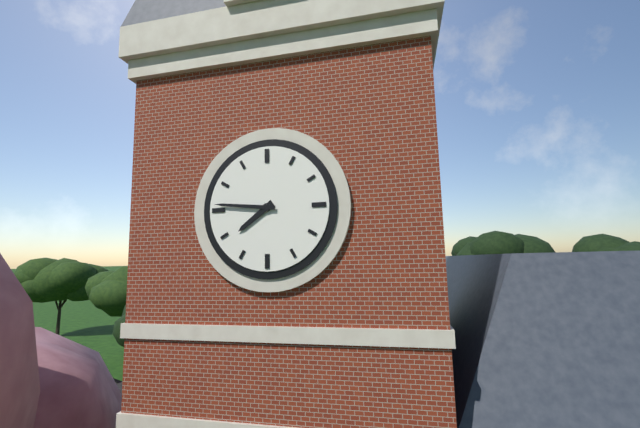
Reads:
h=7 m=46
